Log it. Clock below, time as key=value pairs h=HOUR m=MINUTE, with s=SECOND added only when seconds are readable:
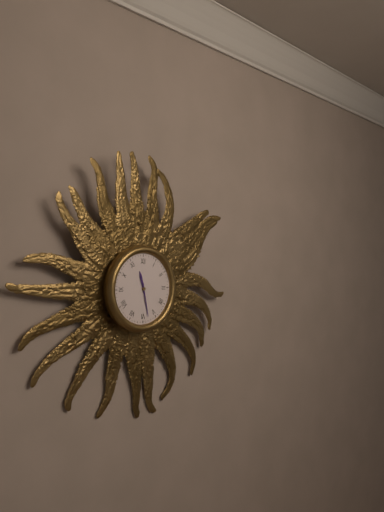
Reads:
h=11 m=28
